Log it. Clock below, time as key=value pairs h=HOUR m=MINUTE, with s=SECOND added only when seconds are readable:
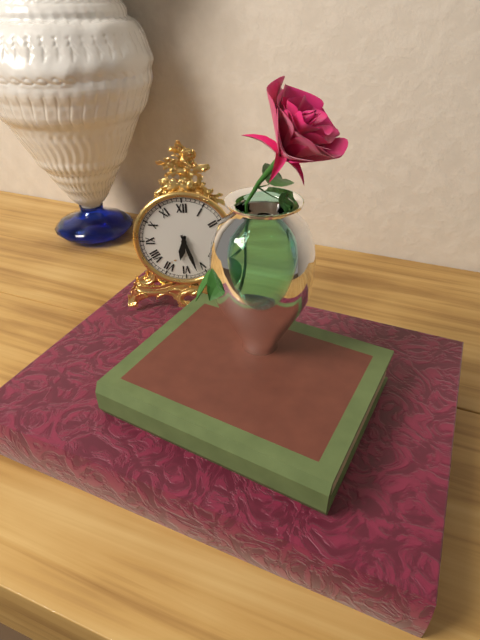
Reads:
h=6 m=27
